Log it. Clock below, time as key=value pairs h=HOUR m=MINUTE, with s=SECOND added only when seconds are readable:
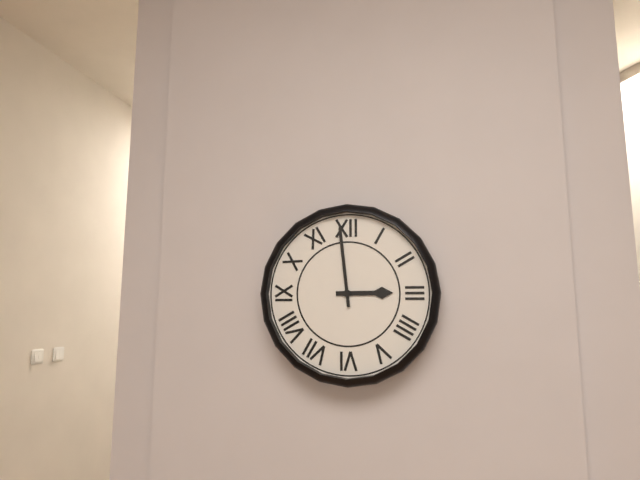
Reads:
h=2 m=59
